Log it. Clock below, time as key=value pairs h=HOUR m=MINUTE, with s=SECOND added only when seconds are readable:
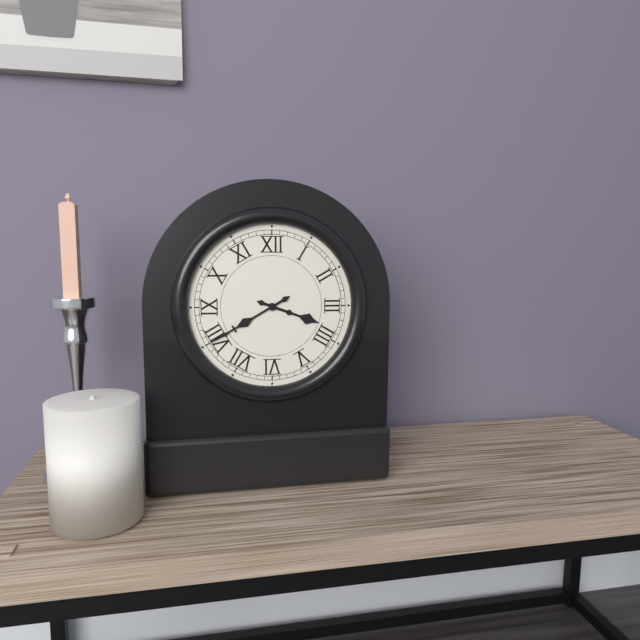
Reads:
h=3 m=40
